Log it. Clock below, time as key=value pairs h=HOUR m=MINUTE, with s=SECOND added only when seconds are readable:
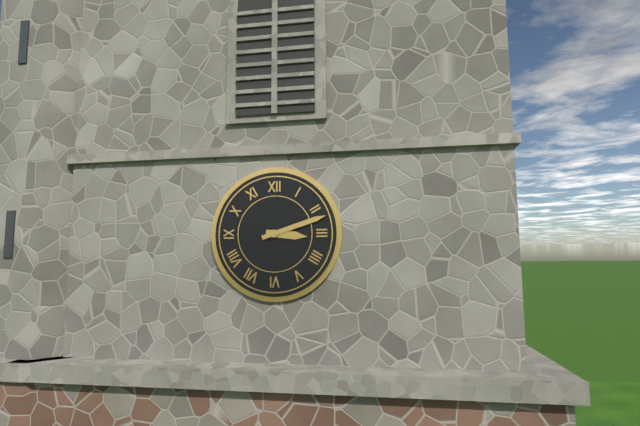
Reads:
h=3 m=12
